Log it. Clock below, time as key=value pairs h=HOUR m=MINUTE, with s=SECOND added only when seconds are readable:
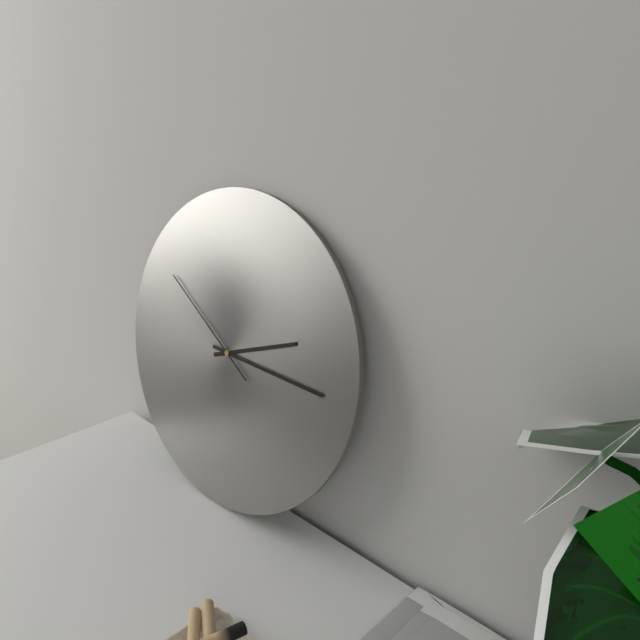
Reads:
h=2 m=15 s=50
